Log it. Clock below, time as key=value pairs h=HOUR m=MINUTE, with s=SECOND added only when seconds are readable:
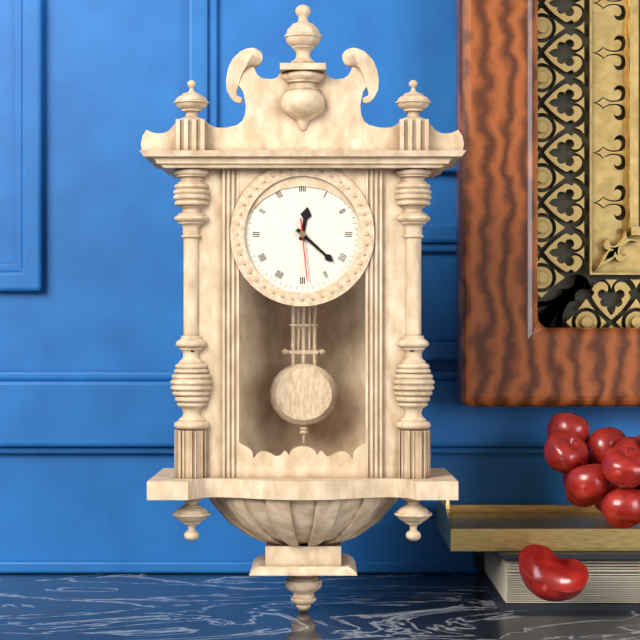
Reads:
h=12 m=22 s=29
